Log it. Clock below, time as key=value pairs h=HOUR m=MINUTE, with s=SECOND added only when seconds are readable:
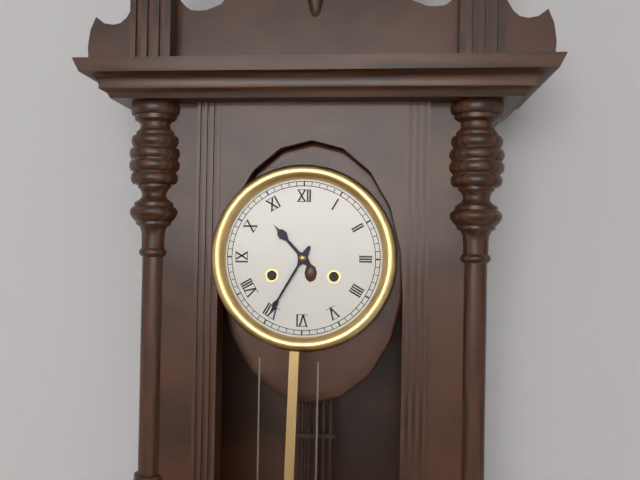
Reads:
h=10 m=35
